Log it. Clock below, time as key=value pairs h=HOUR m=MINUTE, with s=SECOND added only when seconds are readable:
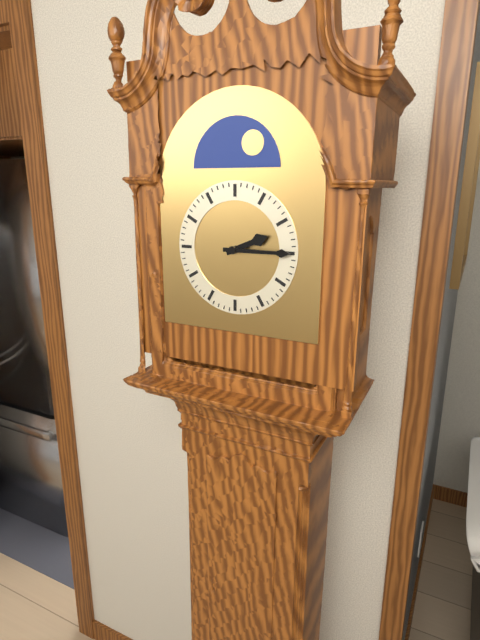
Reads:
h=2 m=15
